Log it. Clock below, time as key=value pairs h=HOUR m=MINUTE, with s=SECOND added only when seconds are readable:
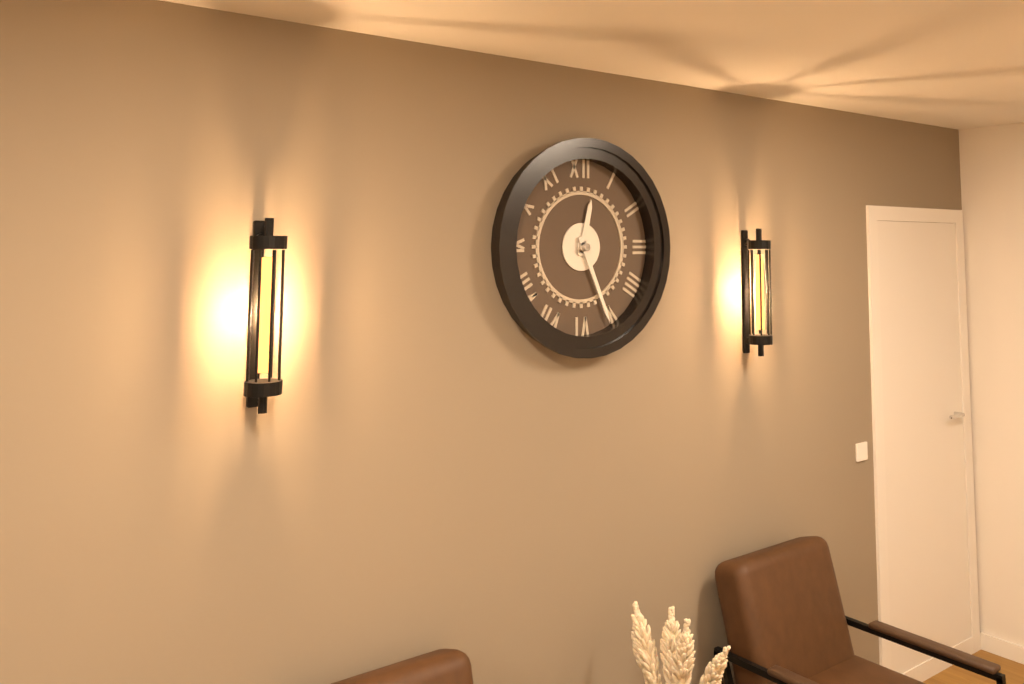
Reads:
h=12 m=26
